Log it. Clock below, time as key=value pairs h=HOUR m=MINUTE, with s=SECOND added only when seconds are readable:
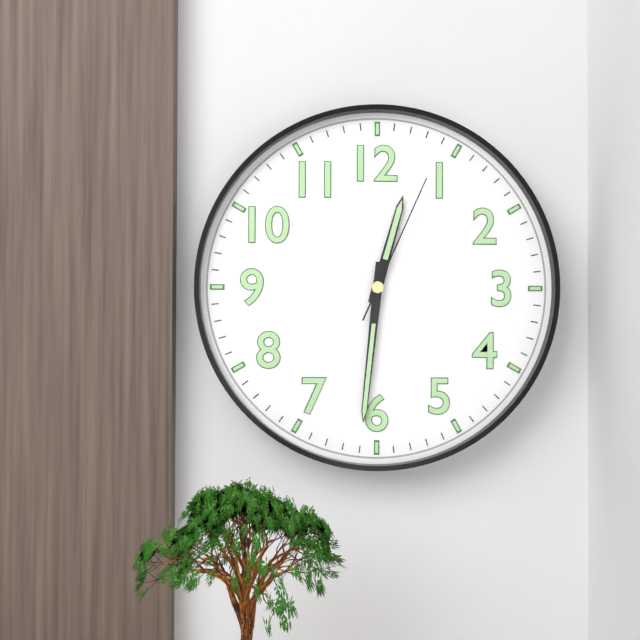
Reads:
h=12 m=31 s=4
